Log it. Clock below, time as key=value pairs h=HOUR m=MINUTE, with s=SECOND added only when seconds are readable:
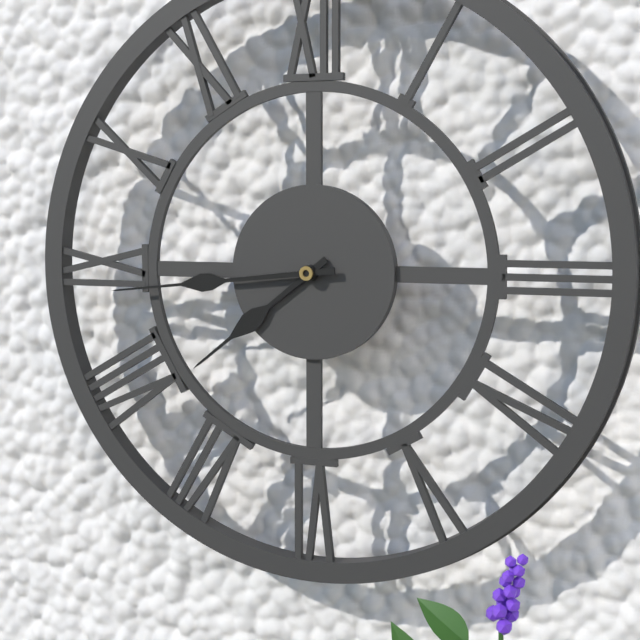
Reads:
h=7 m=44
